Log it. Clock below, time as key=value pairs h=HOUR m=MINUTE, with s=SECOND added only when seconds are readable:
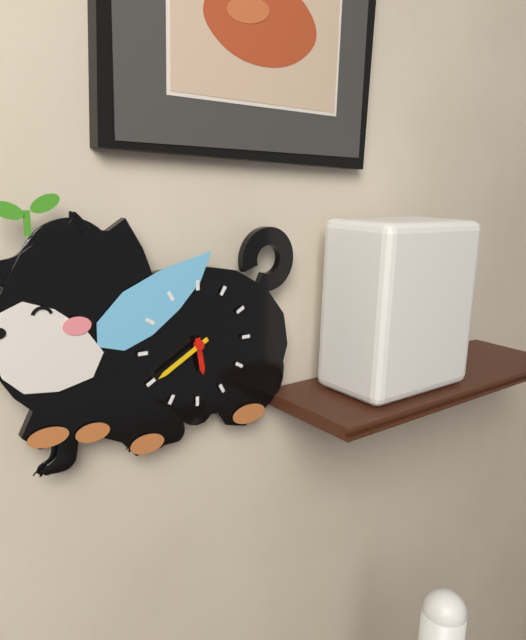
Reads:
h=5 m=40
